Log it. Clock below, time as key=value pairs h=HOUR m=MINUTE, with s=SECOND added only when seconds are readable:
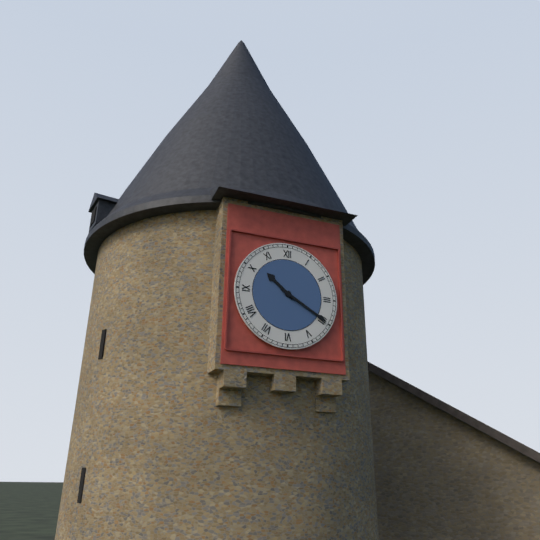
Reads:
h=10 m=20
